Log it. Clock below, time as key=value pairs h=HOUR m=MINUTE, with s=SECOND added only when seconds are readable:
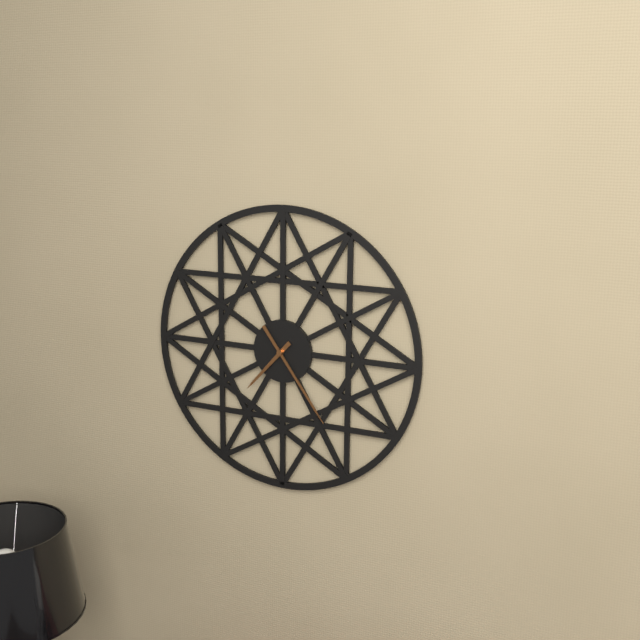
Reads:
h=7 m=24
